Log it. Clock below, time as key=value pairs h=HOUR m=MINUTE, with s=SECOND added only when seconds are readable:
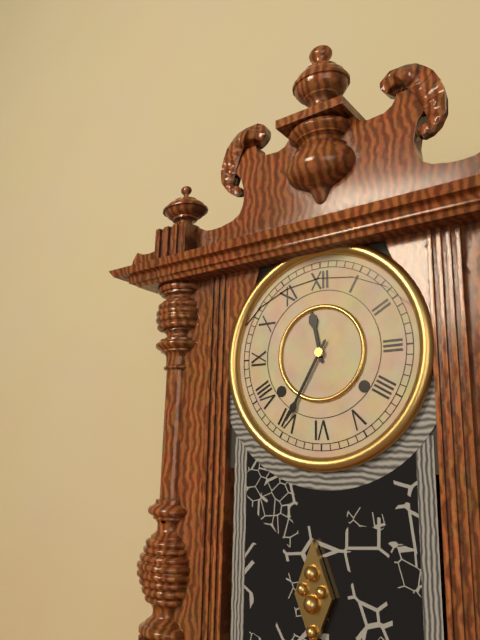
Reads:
h=11 m=35
